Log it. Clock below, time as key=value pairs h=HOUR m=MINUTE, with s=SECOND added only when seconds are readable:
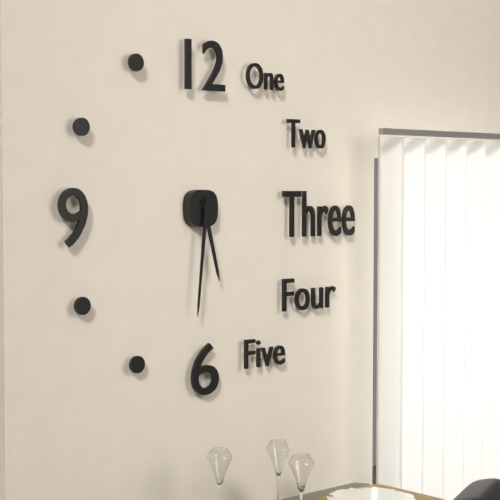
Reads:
h=5 m=31
